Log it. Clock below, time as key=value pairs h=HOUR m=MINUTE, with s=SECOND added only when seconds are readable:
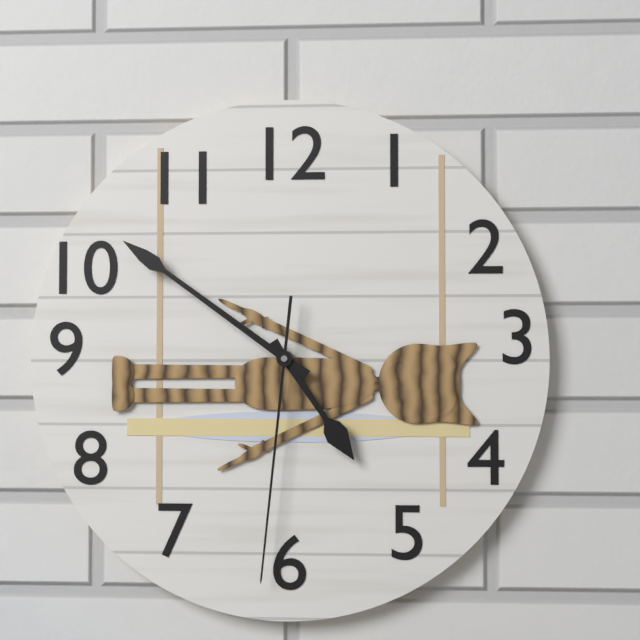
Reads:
h=4 m=51 s=31
